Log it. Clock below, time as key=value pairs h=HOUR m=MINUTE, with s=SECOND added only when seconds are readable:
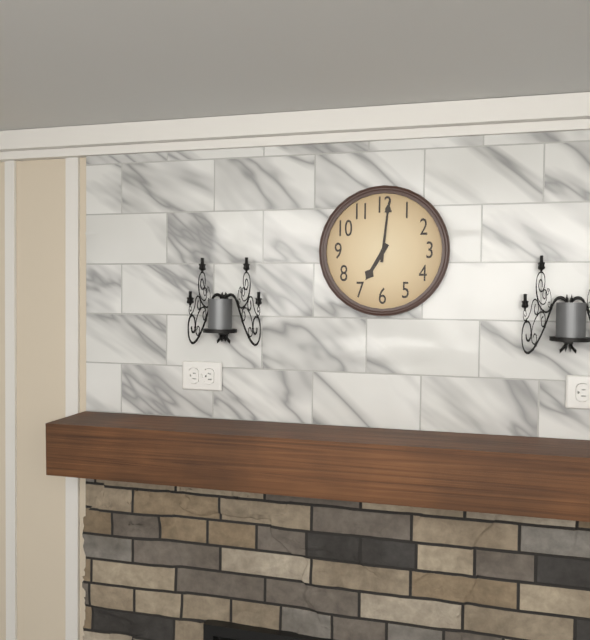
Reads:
h=7 m=1
